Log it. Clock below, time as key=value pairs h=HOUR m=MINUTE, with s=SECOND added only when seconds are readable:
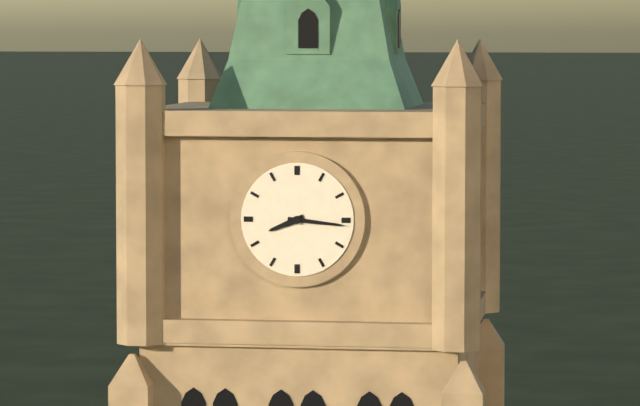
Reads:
h=8 m=16
